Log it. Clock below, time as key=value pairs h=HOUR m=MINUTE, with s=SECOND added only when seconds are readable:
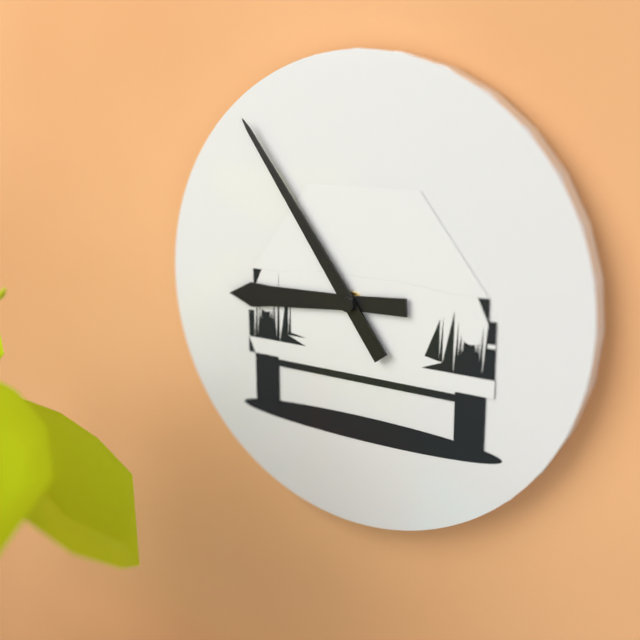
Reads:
h=8 m=54
